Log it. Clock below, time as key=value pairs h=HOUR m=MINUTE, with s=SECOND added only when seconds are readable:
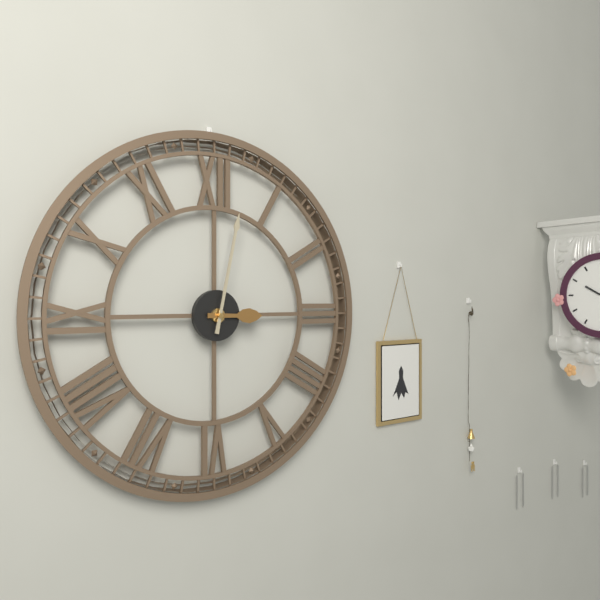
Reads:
h=3 m=2
